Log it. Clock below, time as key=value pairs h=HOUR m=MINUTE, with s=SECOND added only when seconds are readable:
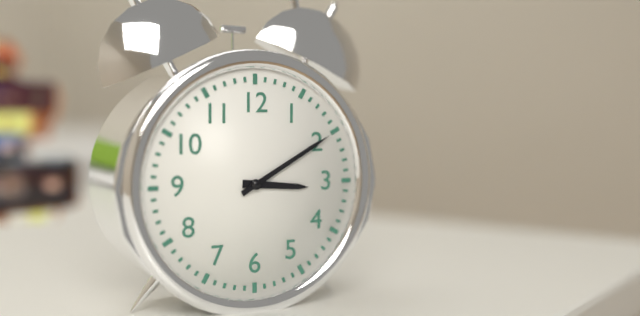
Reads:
h=3 m=10
